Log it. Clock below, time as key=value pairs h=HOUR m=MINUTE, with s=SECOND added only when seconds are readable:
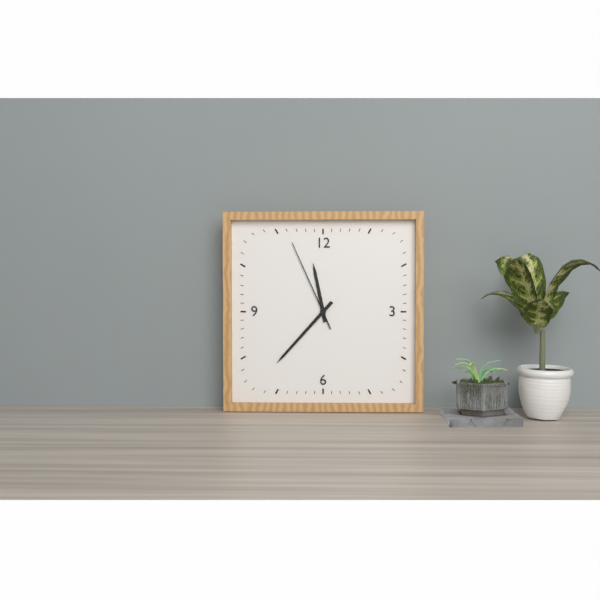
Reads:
h=11 m=37 s=56
